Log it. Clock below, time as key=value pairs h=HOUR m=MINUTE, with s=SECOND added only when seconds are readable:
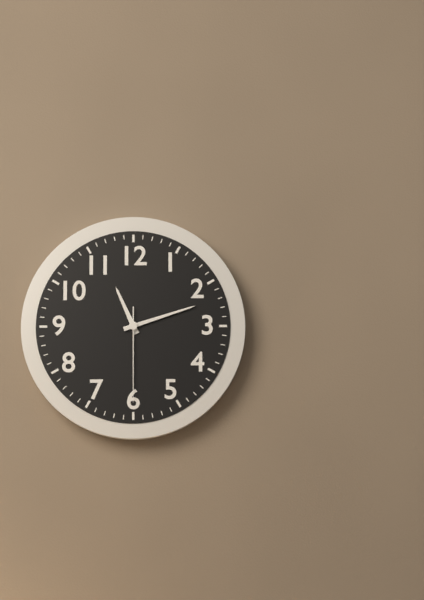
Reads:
h=11 m=12 s=30
